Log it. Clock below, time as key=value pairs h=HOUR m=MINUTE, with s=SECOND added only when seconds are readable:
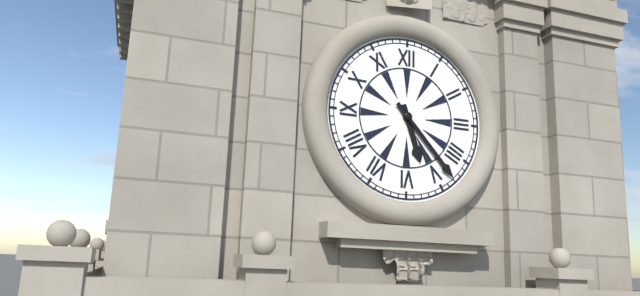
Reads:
h=5 m=23
